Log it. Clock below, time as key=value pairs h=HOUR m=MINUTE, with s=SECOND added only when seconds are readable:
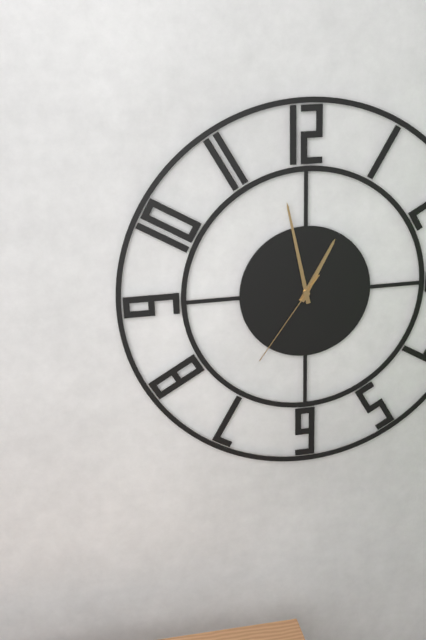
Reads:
h=12 m=58 s=36
